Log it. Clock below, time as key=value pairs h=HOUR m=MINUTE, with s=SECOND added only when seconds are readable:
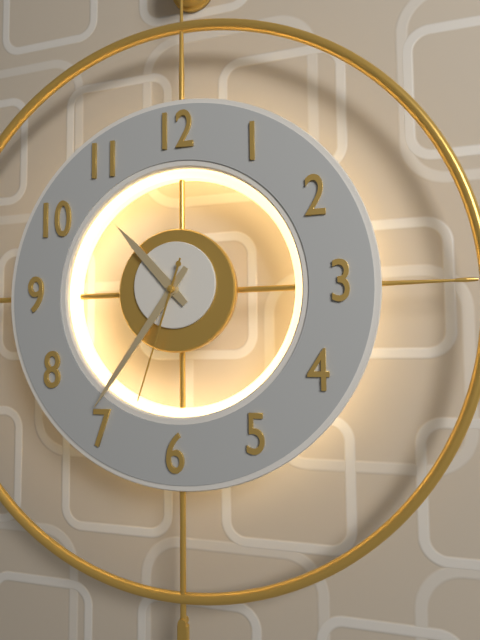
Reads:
h=10 m=36 s=33
